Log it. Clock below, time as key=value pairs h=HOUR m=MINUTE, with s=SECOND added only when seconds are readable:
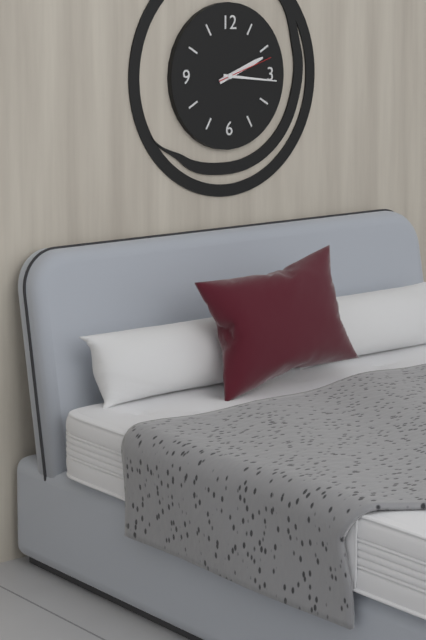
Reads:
h=2 m=16 s=12
